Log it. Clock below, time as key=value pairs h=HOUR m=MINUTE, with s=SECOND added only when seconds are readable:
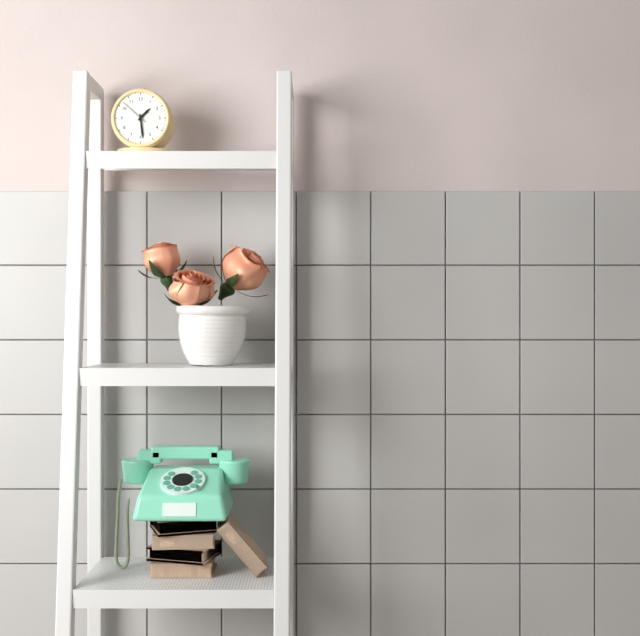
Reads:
h=1 m=29
